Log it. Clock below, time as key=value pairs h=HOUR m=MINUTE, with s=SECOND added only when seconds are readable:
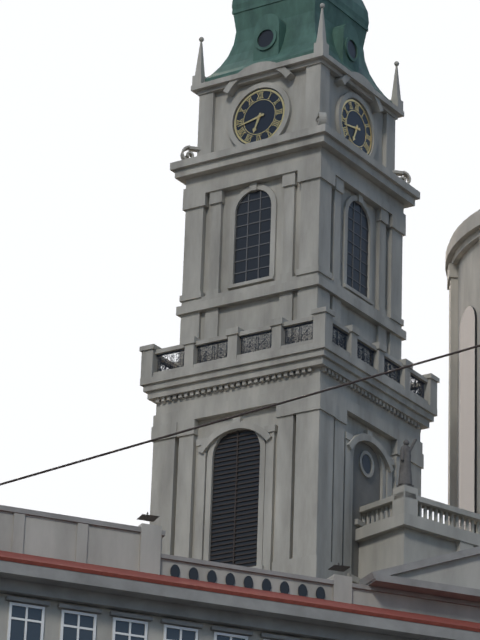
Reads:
h=6 m=43
